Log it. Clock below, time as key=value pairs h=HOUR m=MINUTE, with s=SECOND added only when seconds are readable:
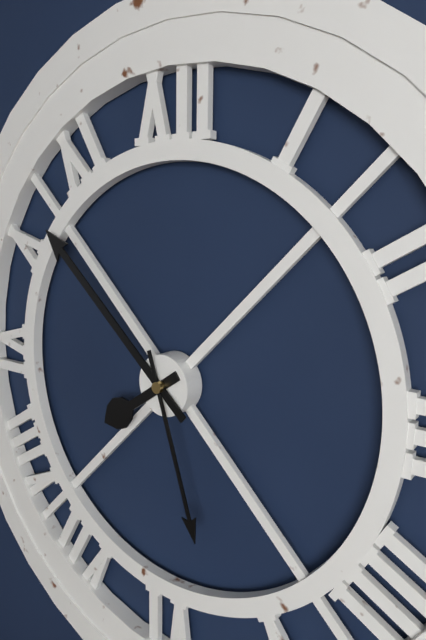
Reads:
h=7 m=52 s=27
